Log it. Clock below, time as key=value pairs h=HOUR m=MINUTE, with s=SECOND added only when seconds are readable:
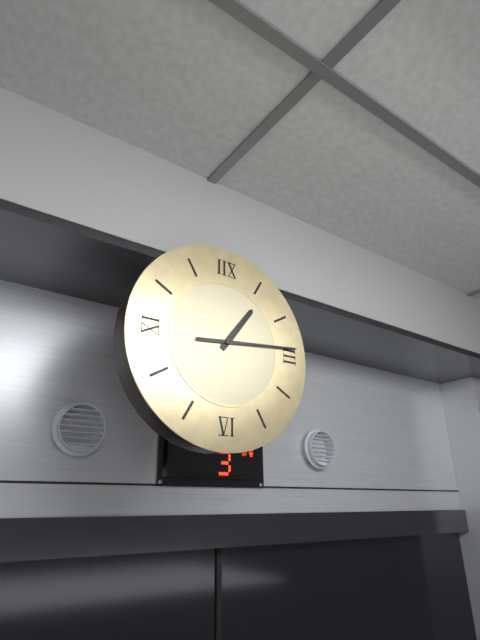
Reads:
h=1 m=14
